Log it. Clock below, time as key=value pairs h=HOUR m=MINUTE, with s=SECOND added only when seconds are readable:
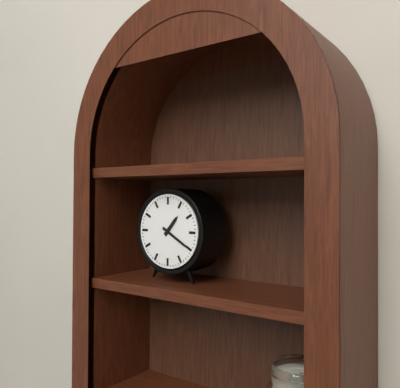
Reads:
h=1 m=20
